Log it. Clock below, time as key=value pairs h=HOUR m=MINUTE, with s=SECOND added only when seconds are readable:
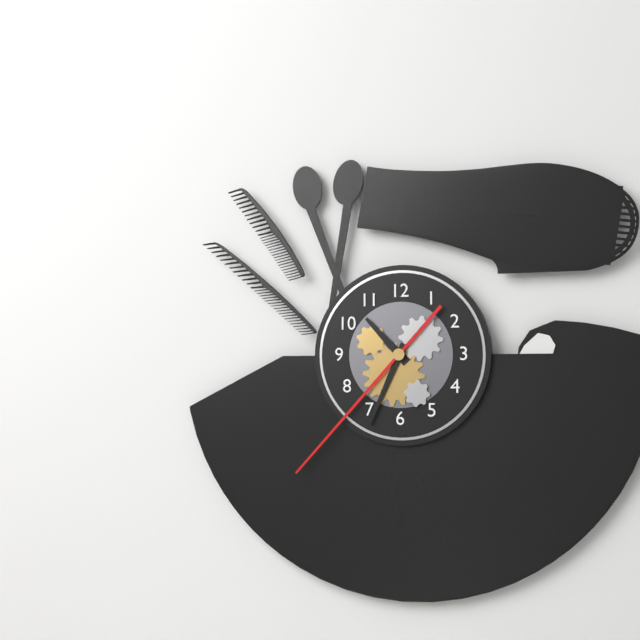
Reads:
h=10 m=34 s=37
